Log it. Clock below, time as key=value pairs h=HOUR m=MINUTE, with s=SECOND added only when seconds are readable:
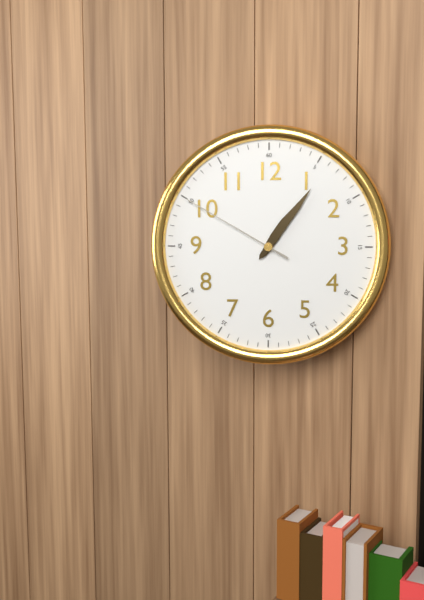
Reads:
h=1 m=6 s=50
